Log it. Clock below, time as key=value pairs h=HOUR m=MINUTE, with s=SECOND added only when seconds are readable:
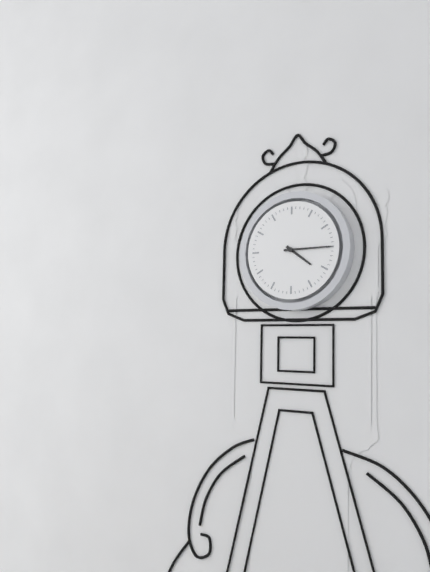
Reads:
h=4 m=15
